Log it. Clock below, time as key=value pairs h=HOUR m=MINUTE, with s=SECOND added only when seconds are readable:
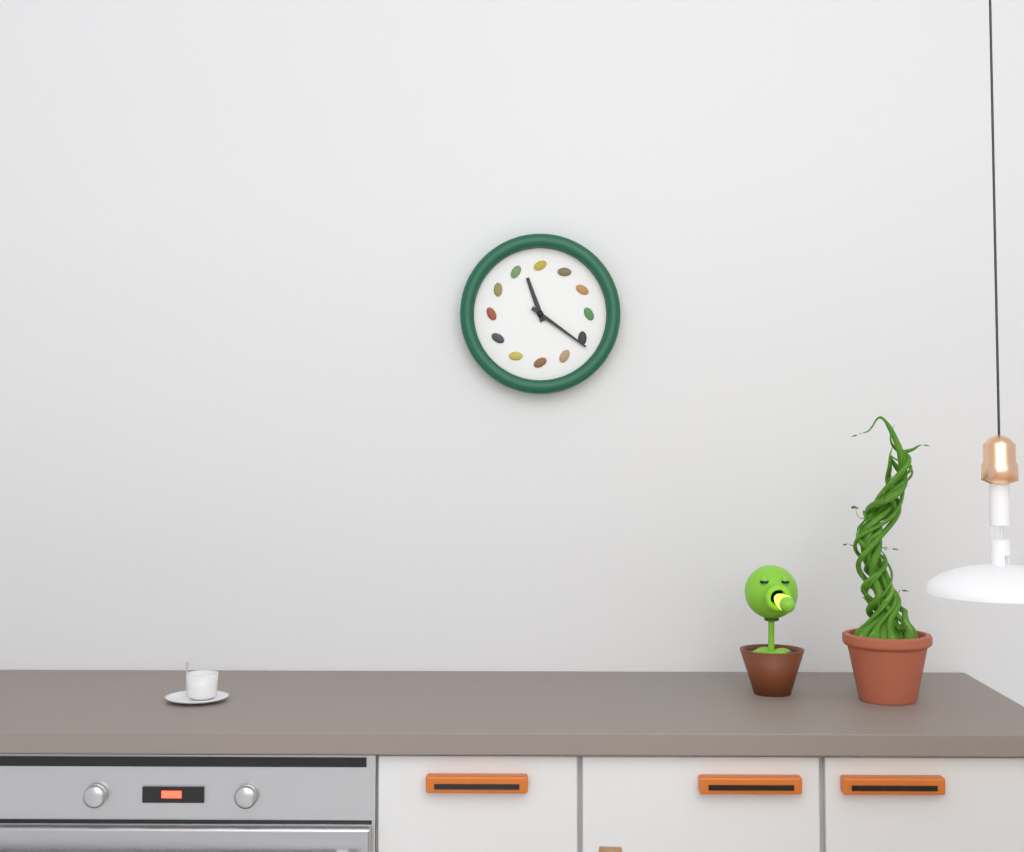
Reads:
h=11 m=21
